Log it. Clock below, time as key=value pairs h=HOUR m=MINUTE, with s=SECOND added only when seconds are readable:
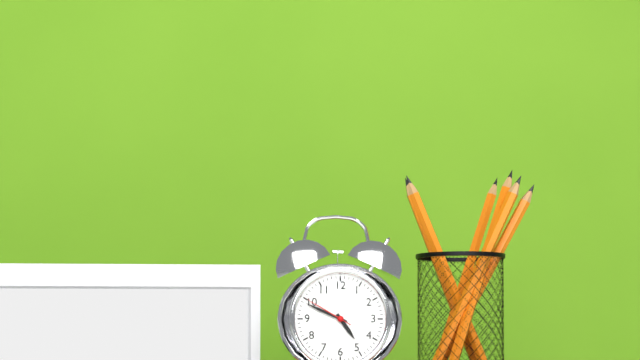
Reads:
h=4 m=49 s=50
